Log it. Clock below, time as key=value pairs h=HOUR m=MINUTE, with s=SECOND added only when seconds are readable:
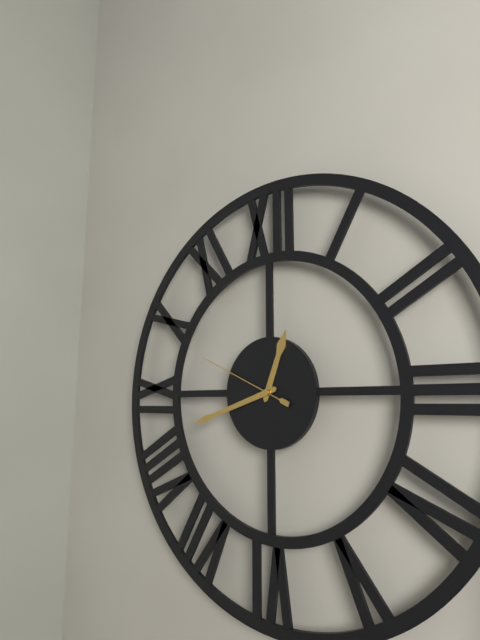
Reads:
h=12 m=42 s=49
